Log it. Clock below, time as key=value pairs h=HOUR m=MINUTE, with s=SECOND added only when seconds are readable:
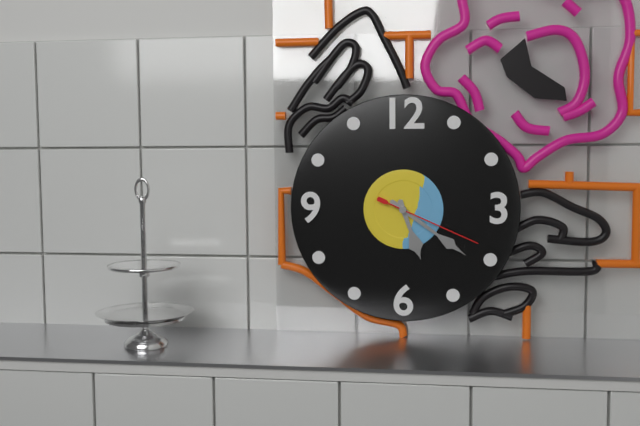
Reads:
h=5 m=21 s=19
